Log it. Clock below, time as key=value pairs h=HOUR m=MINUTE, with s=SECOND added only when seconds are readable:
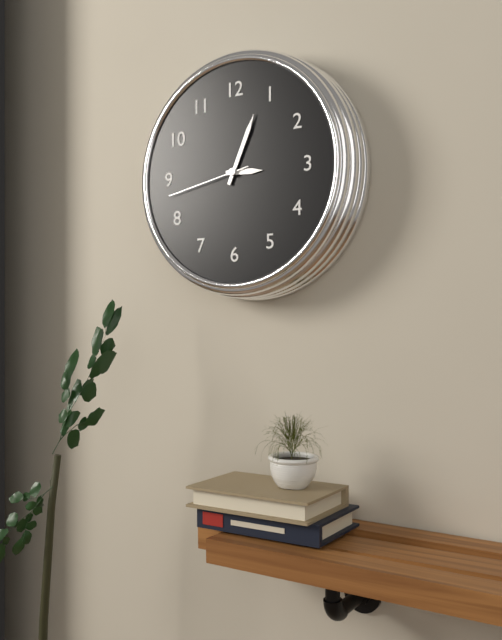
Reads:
h=3 m=4 s=43
